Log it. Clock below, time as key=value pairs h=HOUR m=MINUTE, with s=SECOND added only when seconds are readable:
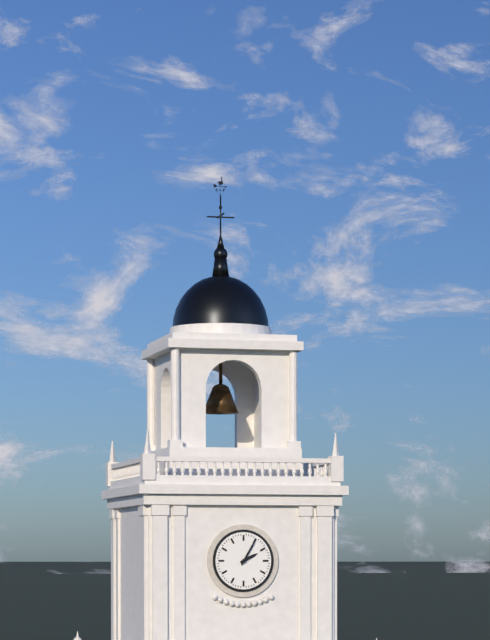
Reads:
h=2 m=5
